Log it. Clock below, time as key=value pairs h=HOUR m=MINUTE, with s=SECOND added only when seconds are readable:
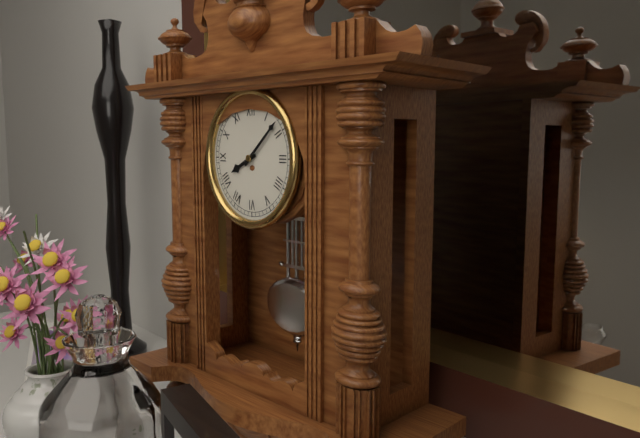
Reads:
h=8 m=8
